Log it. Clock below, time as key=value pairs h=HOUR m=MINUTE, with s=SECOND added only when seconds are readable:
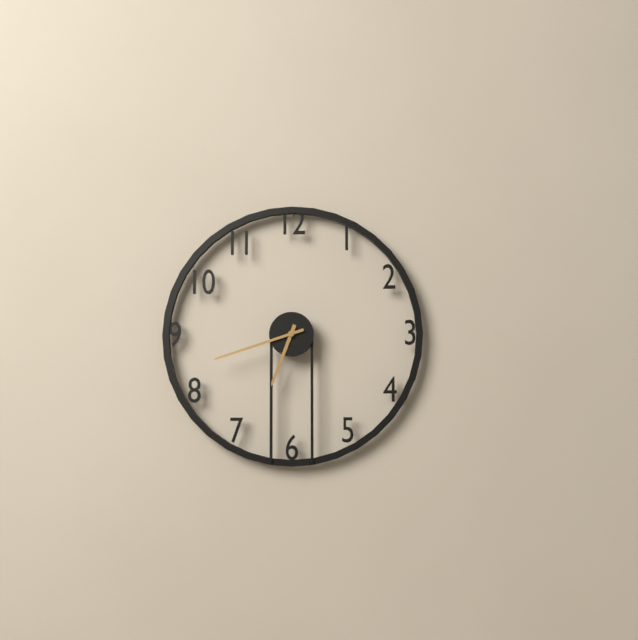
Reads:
h=6 m=42
